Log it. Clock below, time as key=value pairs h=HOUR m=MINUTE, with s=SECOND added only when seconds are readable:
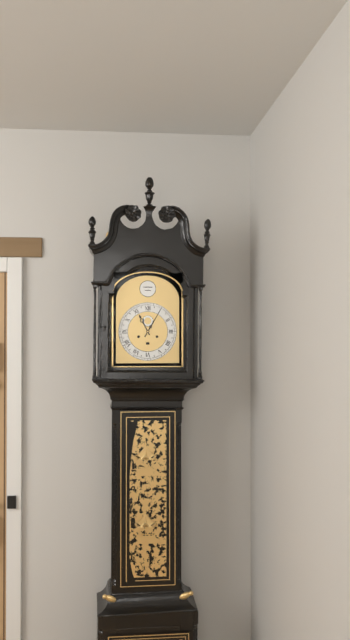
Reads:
h=11 m=5
